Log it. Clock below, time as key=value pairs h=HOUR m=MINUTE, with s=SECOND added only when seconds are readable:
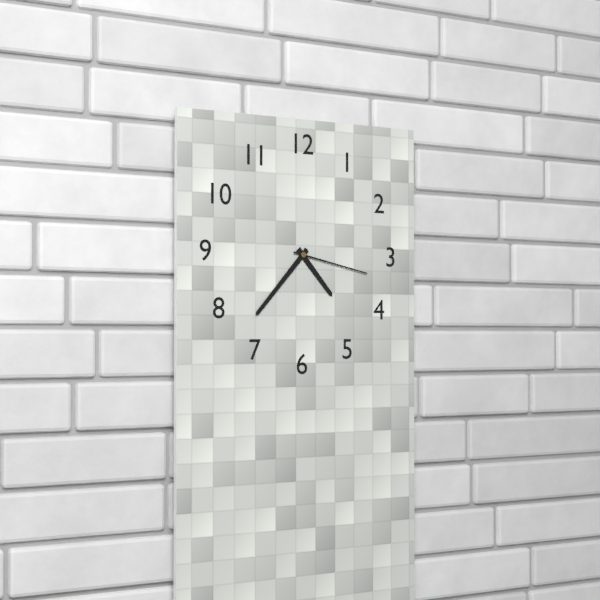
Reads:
h=4 m=37 s=17
